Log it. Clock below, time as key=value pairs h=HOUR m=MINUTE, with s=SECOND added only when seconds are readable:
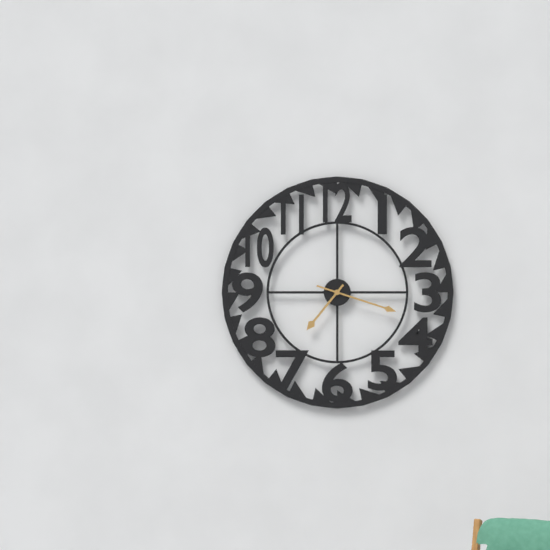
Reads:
h=7 m=18
